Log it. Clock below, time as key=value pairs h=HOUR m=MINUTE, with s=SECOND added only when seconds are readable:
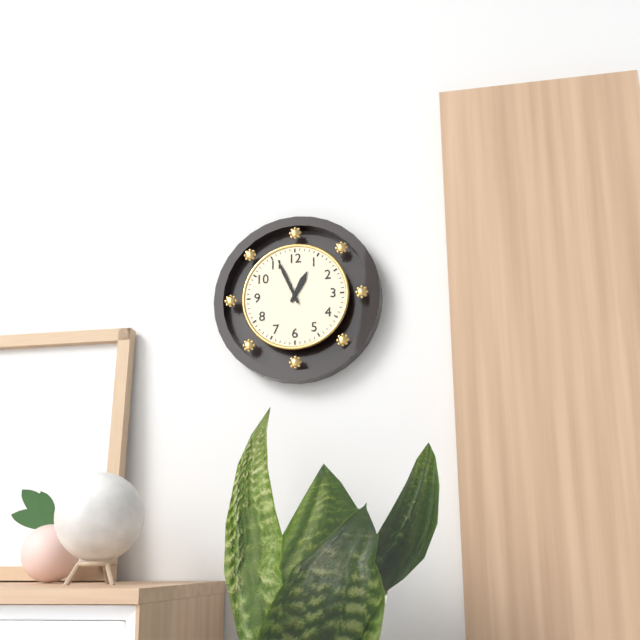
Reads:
h=12 m=56
